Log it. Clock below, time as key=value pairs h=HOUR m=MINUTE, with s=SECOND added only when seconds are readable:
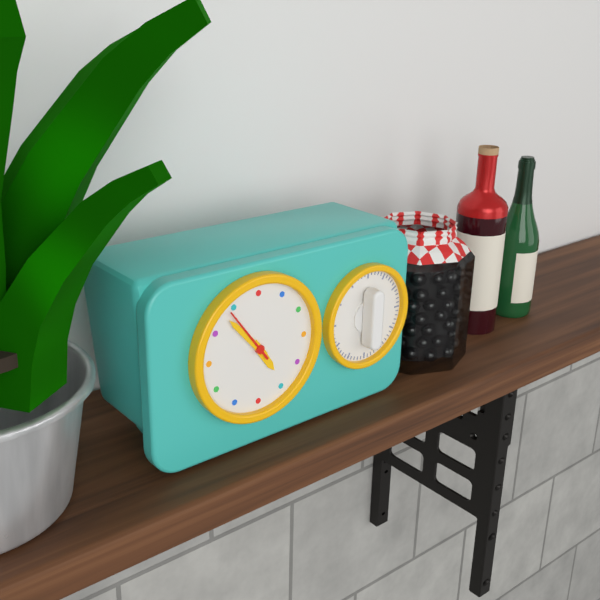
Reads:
h=4 m=53 s=54
